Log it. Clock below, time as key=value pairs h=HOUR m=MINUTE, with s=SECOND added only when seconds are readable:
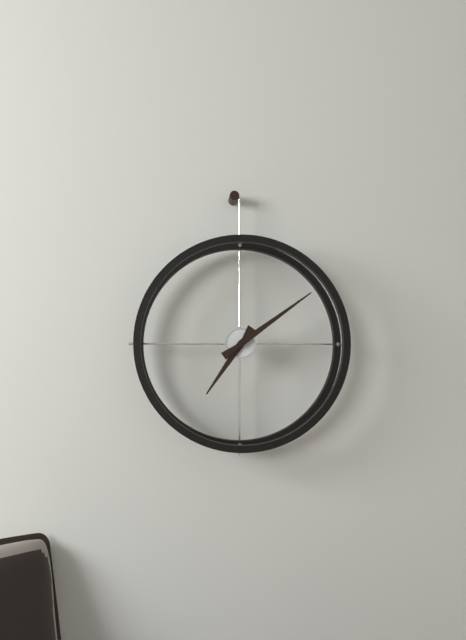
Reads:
h=7 m=9
